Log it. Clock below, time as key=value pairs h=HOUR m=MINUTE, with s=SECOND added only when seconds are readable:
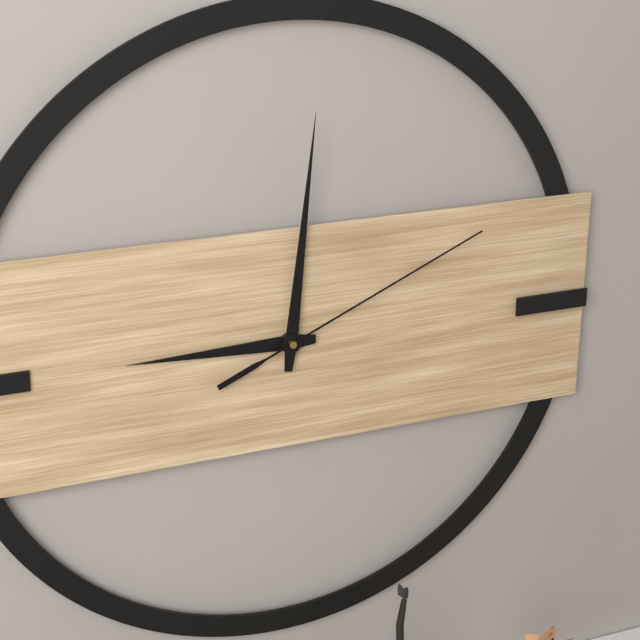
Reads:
h=9 m=1 s=11
